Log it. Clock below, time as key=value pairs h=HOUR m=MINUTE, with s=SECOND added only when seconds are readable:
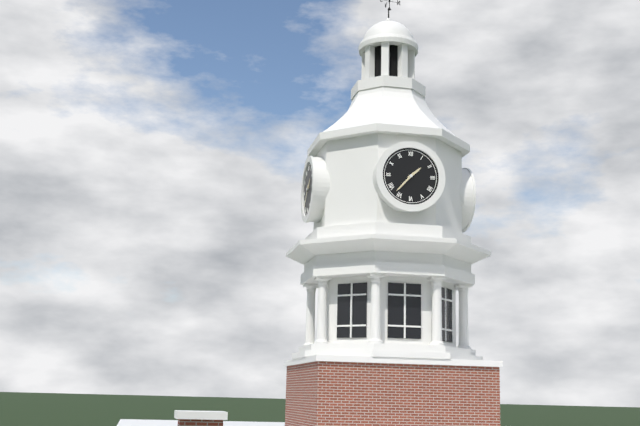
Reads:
h=1 m=37
